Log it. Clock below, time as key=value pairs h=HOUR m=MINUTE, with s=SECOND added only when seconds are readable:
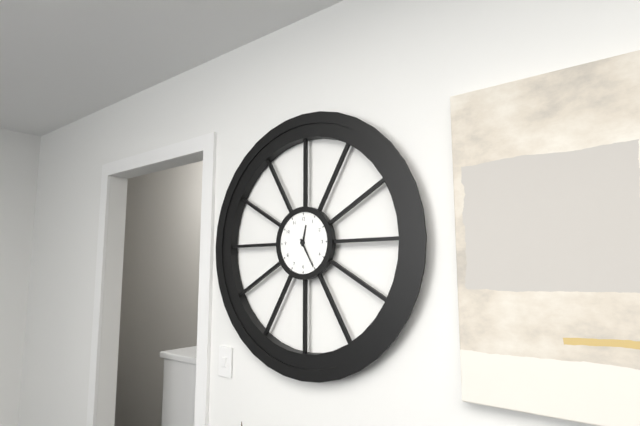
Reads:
h=12 m=25
